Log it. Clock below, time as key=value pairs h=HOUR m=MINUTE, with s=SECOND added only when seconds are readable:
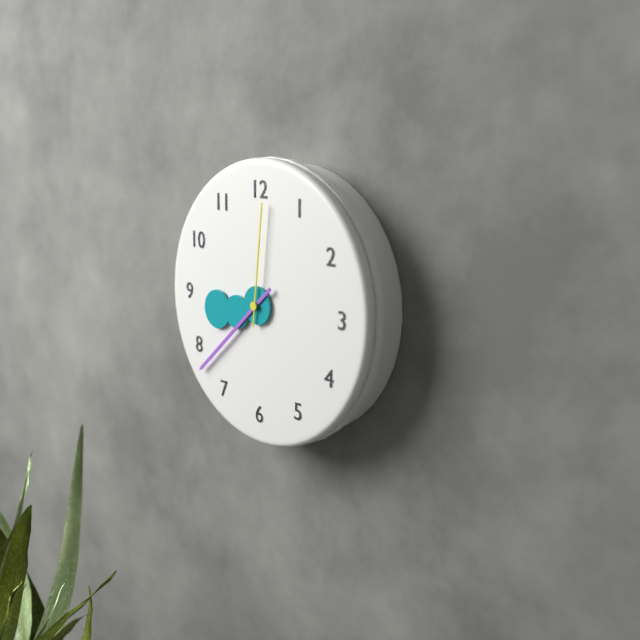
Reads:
h=8 m=38 s=1
